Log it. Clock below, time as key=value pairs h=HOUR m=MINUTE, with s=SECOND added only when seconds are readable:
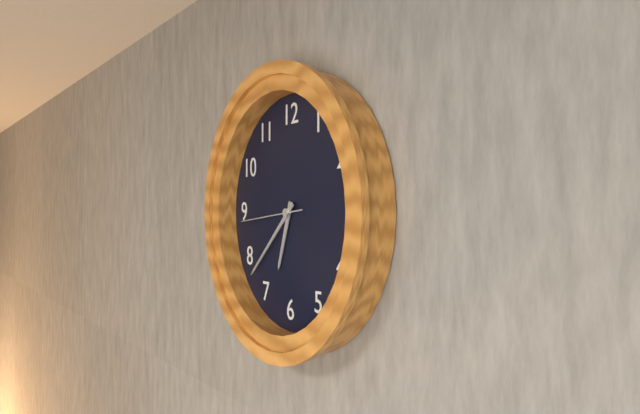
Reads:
h=6 m=38 s=44
